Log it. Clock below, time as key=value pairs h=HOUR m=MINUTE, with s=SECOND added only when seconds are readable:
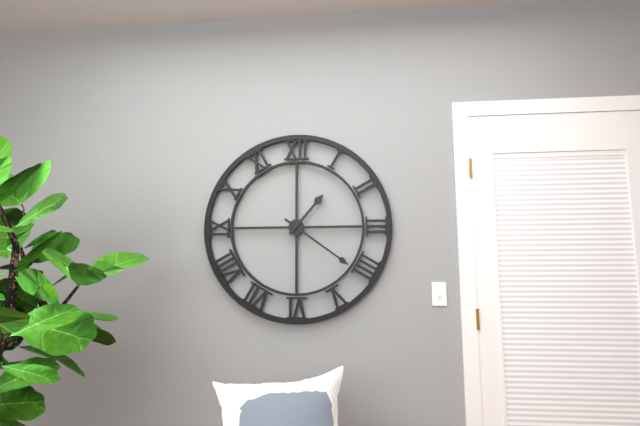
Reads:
h=1 m=21
